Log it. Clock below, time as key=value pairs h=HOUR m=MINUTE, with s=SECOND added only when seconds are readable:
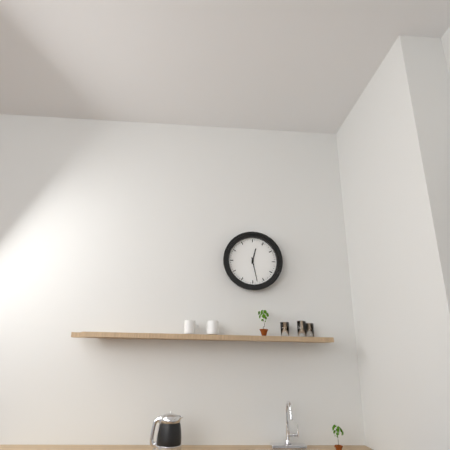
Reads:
h=12 m=28
